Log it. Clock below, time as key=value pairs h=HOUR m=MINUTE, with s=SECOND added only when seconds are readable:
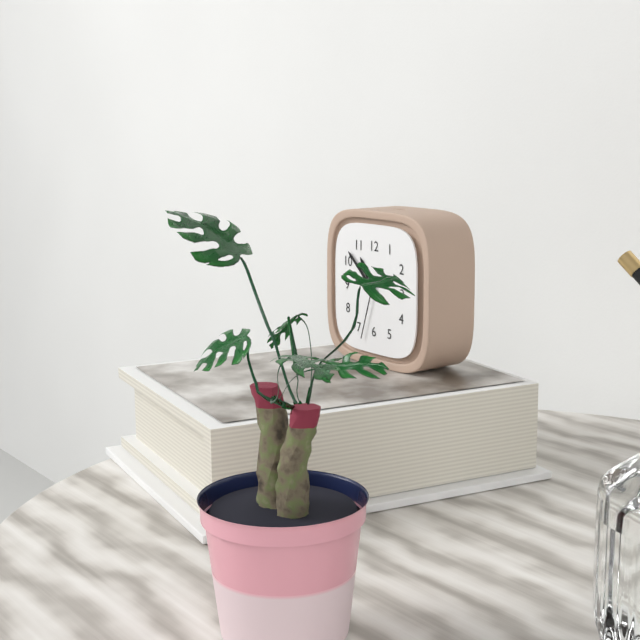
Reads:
h=10 m=52 s=33
